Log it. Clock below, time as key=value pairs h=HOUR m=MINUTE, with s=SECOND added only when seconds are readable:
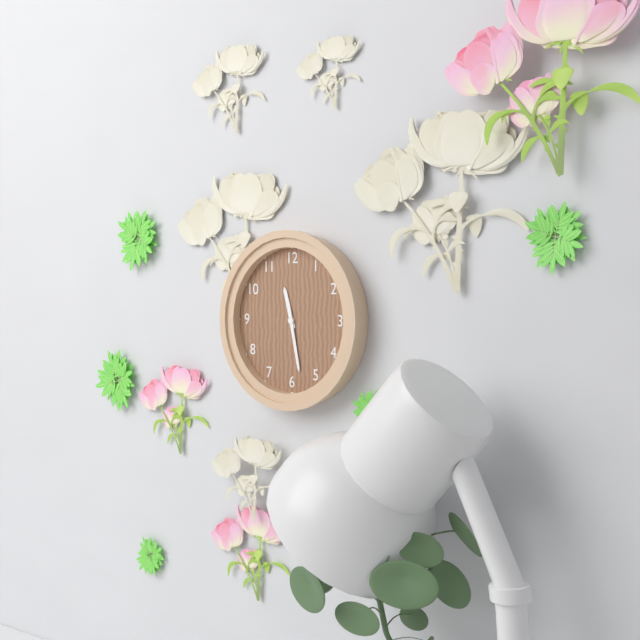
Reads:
h=11 m=28
